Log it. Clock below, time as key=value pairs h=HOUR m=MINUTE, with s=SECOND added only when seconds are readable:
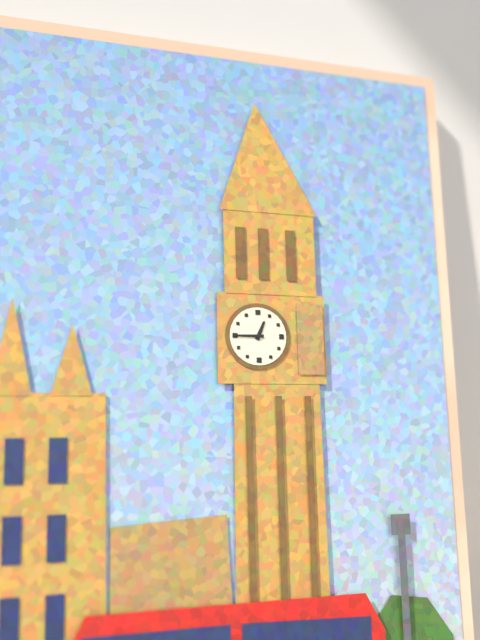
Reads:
h=12 m=45
